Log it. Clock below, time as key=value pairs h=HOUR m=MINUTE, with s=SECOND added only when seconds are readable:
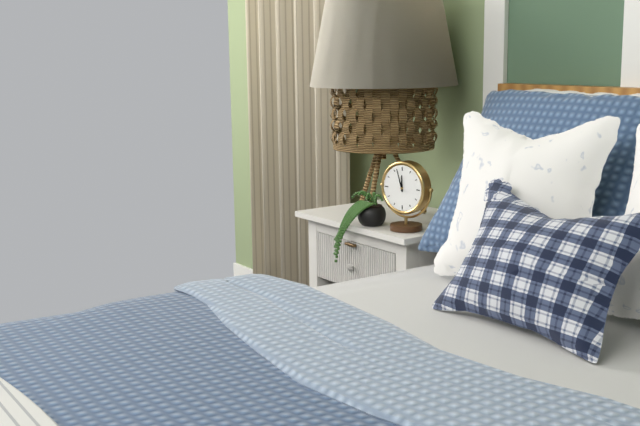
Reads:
h=11 m=57
